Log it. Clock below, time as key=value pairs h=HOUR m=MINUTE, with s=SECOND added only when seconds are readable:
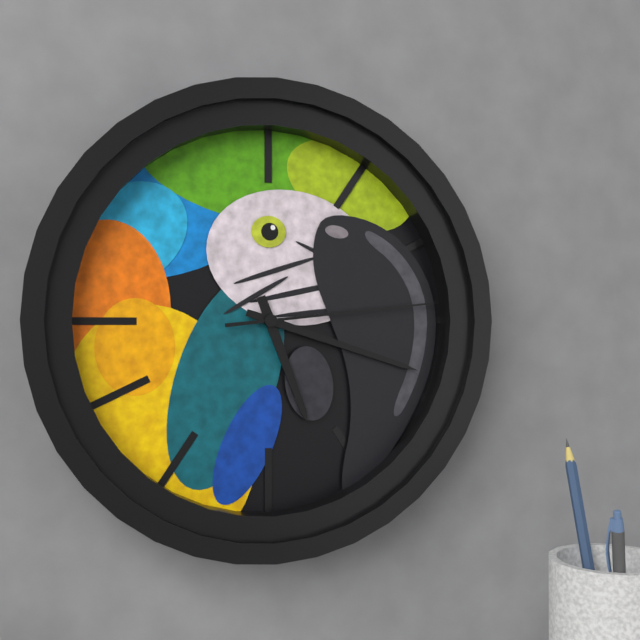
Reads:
h=5 m=18 s=14
